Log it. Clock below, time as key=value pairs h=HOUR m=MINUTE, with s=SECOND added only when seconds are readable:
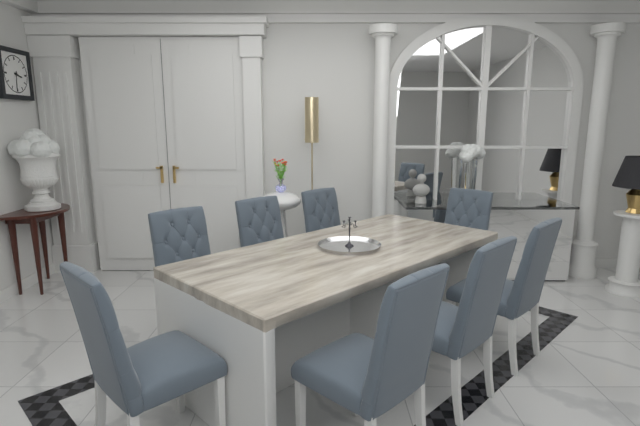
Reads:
h=3 m=31
